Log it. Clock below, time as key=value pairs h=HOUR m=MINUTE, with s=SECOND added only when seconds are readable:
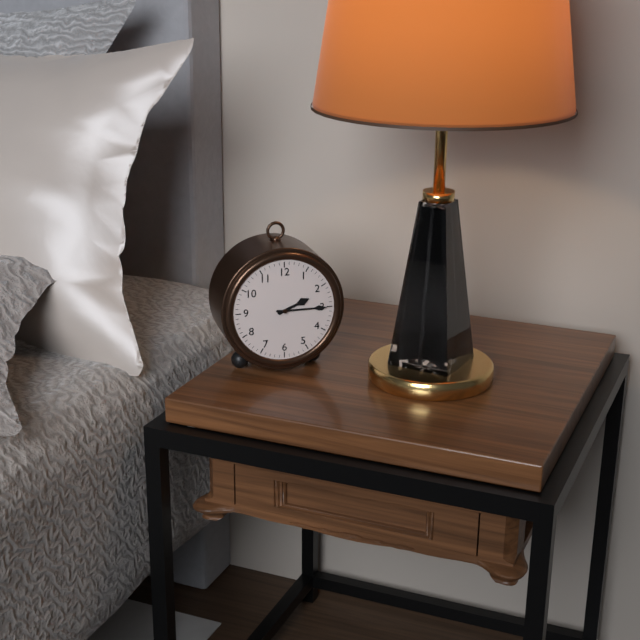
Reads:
h=2 m=15
